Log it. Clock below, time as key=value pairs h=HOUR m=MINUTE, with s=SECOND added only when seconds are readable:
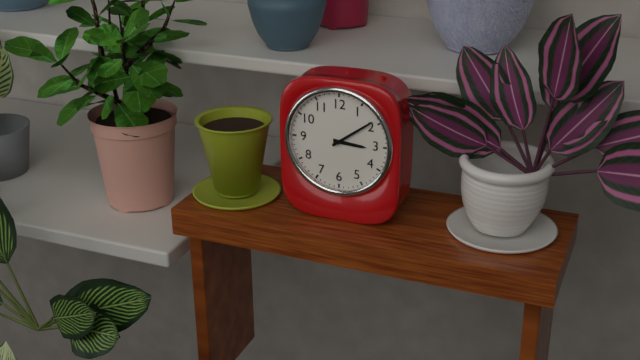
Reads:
h=3 m=9
